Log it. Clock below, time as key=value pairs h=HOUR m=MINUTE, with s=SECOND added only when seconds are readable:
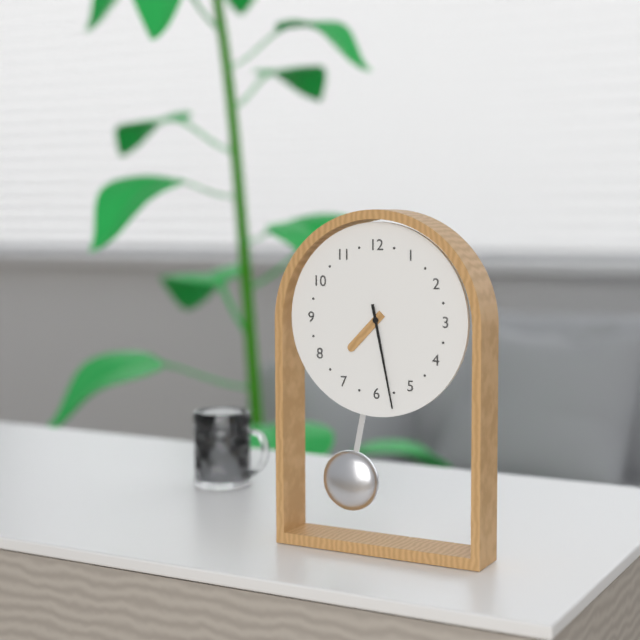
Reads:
h=7 m=28
